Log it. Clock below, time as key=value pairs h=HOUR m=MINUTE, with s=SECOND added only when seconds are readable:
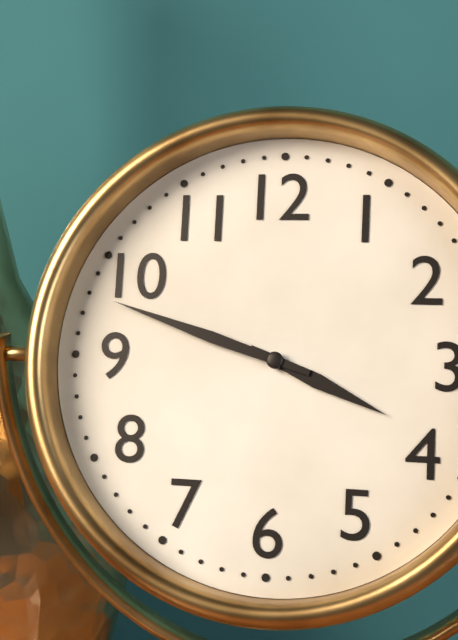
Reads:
h=3 m=48
